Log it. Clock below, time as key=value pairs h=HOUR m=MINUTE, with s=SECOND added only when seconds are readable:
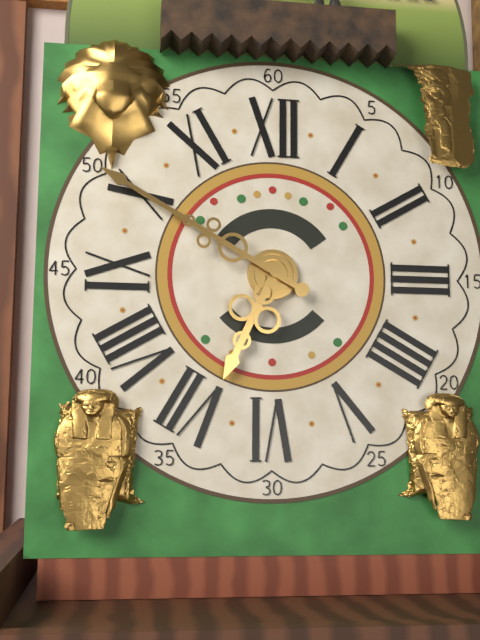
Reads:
h=6 m=50
